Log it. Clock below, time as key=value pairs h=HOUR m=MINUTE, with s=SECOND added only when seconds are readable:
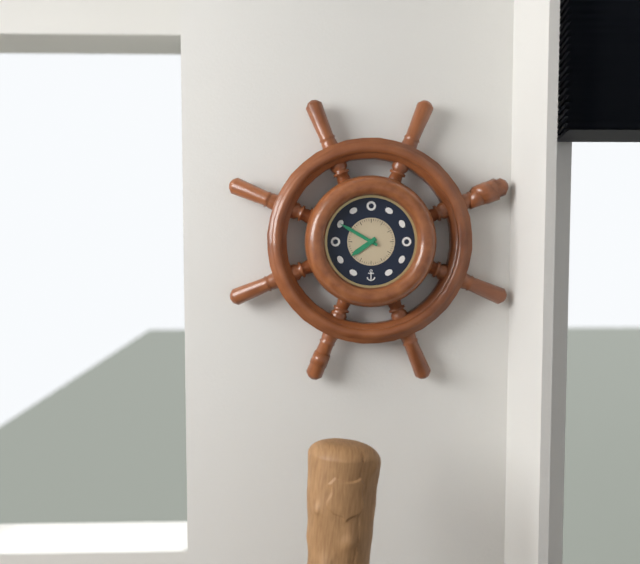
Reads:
h=7 m=50
